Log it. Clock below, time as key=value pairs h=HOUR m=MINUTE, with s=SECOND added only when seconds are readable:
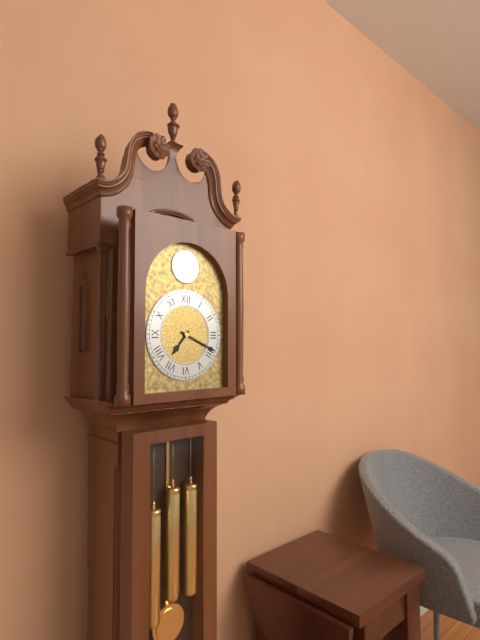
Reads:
h=7 m=19
